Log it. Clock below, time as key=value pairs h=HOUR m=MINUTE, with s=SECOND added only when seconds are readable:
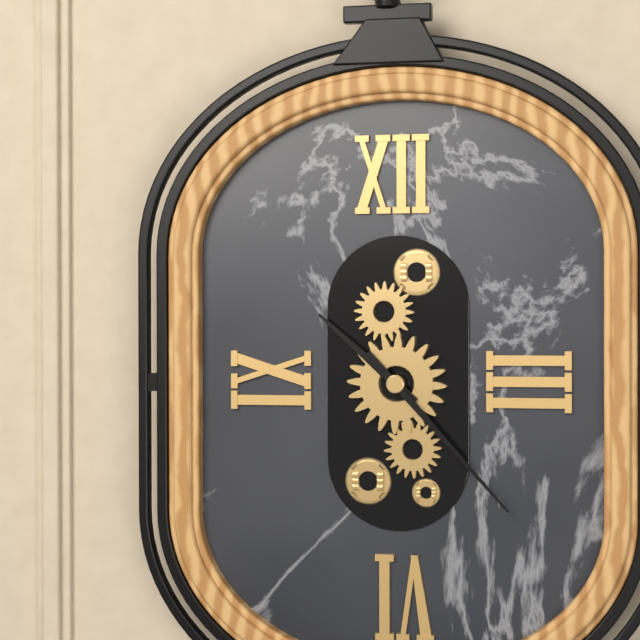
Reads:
h=10 m=23
